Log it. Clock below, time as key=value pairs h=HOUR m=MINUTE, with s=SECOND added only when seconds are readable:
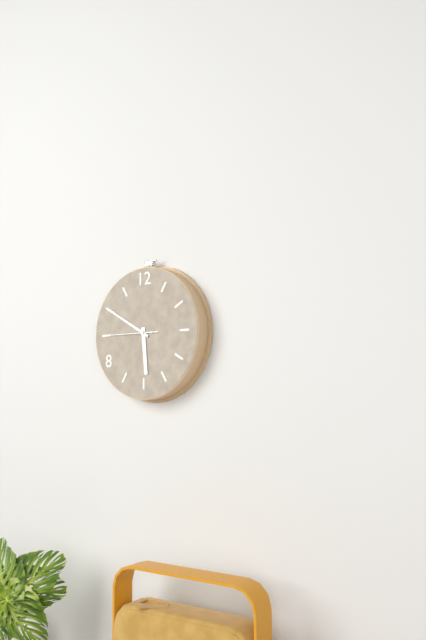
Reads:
h=5 m=50
